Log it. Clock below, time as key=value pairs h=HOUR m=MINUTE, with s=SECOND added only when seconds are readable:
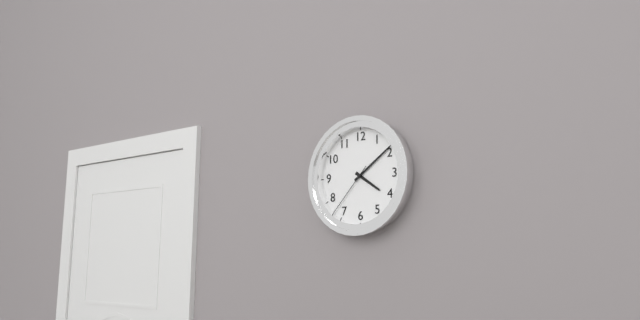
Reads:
h=4 m=9 s=37
